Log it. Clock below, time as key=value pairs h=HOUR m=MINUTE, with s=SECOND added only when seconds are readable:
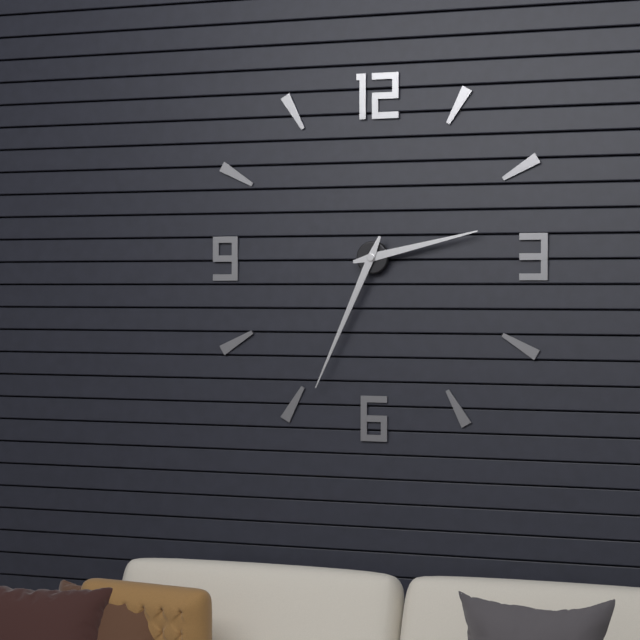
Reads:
h=2 m=34
